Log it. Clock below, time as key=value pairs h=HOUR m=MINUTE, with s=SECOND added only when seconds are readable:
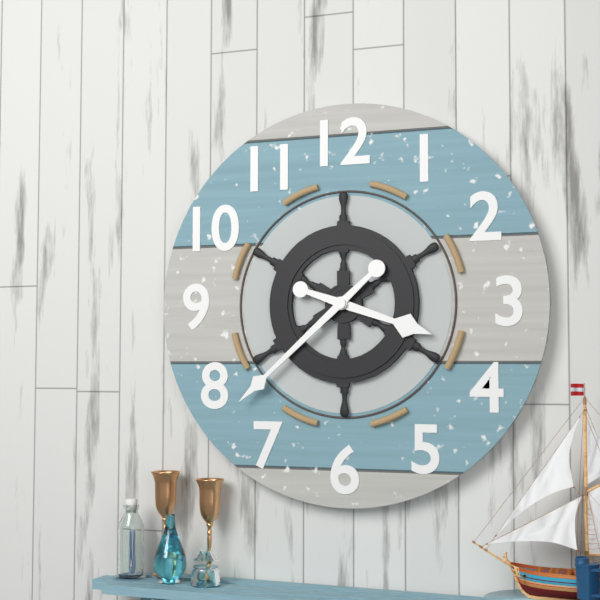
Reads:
h=3 m=38
